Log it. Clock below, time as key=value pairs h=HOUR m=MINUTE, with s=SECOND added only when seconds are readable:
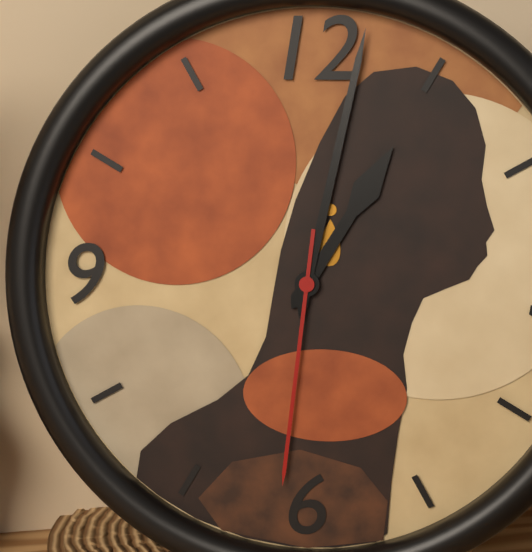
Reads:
h=1 m=2 s=31
